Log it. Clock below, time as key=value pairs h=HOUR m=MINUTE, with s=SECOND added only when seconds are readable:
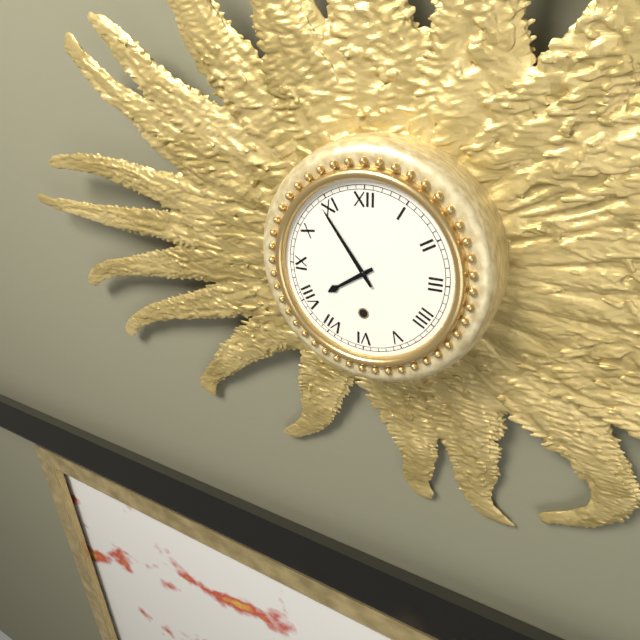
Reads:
h=7 m=54
